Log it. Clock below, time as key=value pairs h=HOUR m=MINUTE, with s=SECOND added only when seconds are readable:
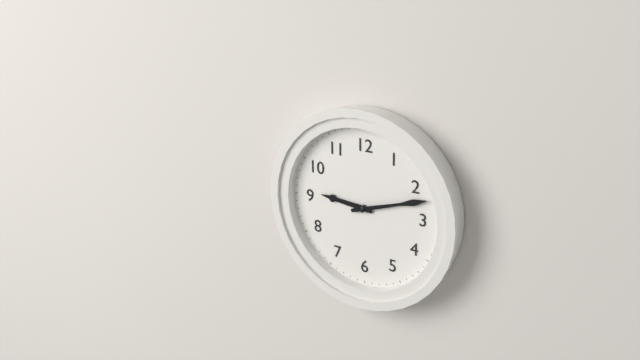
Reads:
h=9 m=12
